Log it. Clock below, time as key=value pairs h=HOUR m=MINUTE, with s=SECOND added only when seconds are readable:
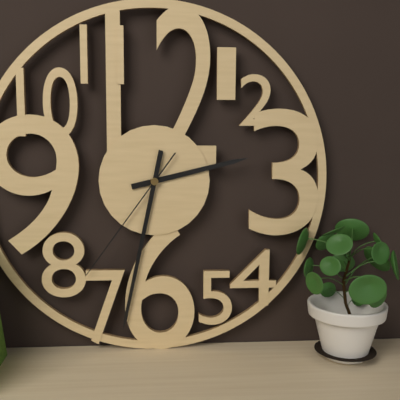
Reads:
h=2 m=32 s=36
